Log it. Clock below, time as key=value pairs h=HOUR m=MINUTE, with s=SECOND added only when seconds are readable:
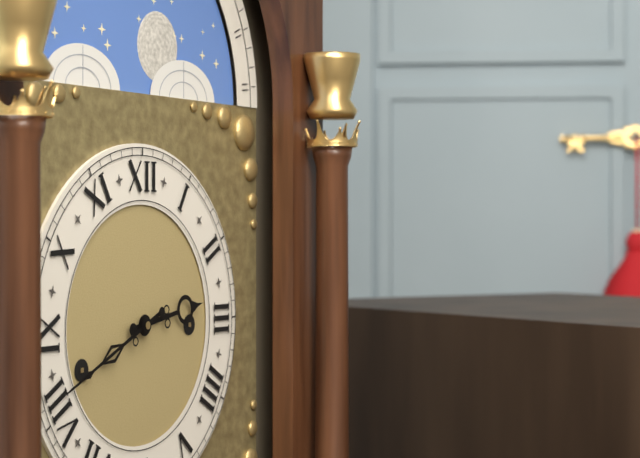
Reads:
h=2 m=41
